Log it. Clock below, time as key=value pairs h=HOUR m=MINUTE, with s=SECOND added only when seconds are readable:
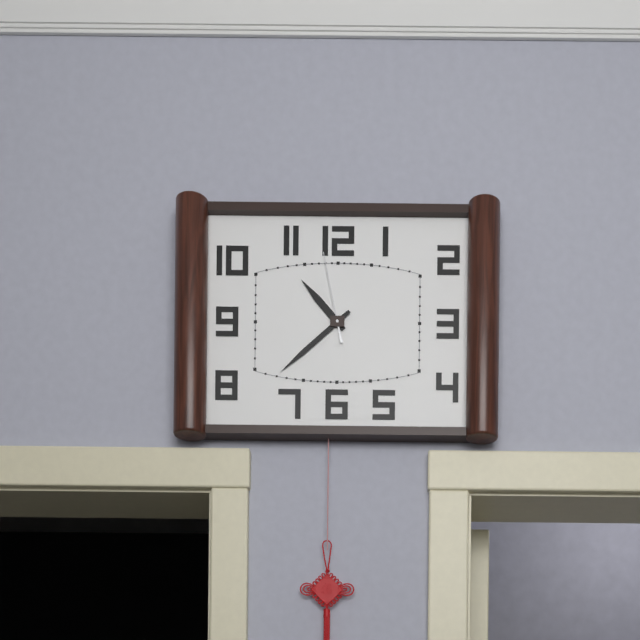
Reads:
h=10 m=38 s=58
